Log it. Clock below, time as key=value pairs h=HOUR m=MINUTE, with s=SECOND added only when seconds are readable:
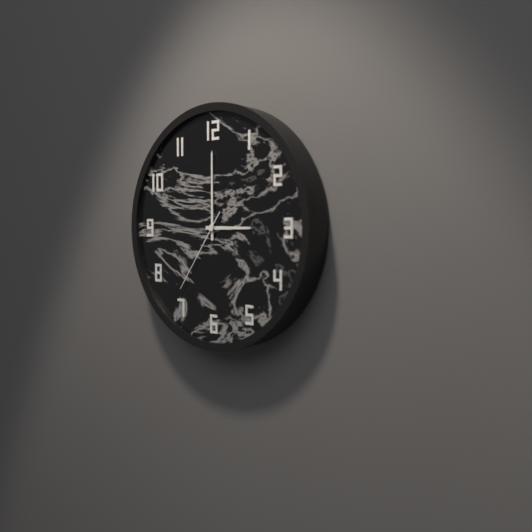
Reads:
h=3 m=0 s=36
